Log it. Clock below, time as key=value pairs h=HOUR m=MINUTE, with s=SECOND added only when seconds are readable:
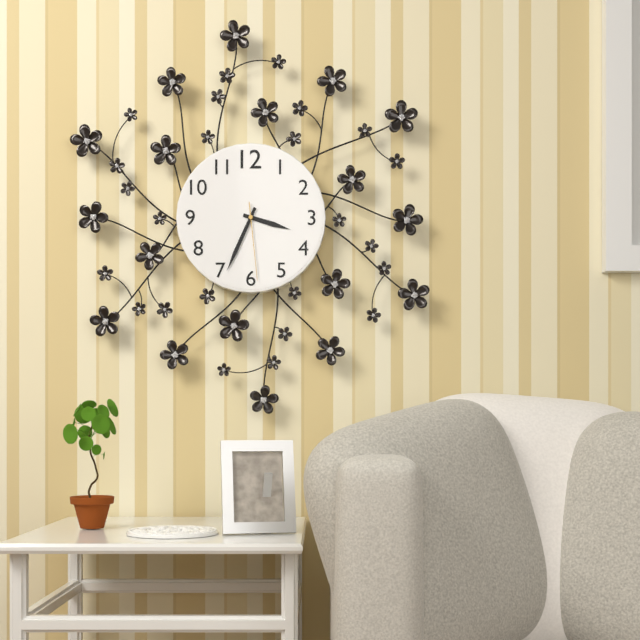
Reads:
h=3 m=34 s=29
